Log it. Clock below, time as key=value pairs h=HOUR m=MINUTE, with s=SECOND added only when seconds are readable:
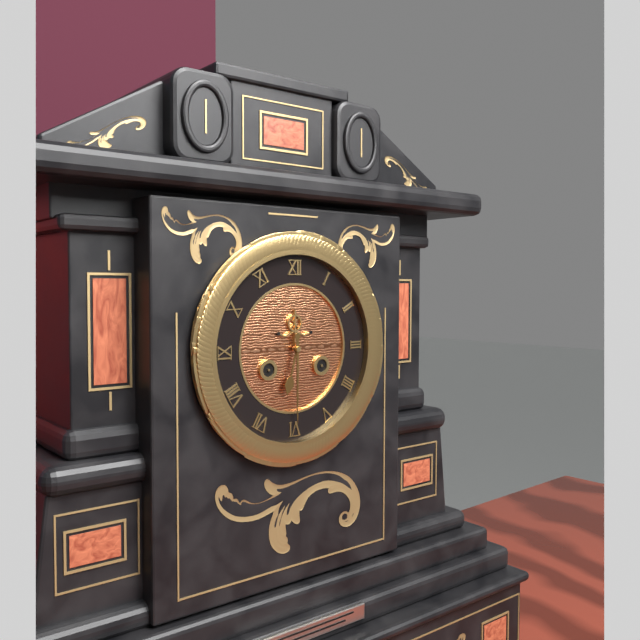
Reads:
h=6 m=30
